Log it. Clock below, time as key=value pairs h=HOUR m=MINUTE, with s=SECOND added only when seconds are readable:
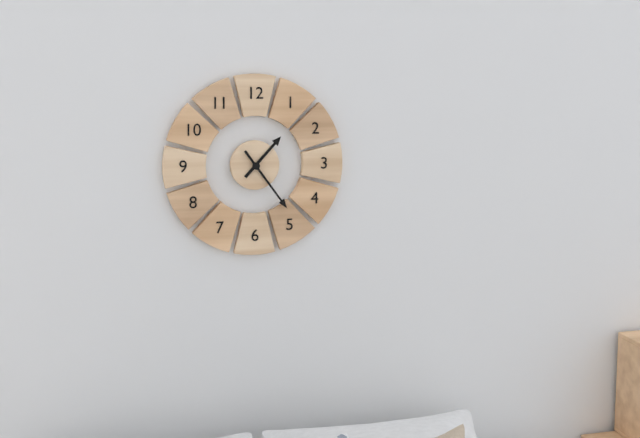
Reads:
h=1 m=24
